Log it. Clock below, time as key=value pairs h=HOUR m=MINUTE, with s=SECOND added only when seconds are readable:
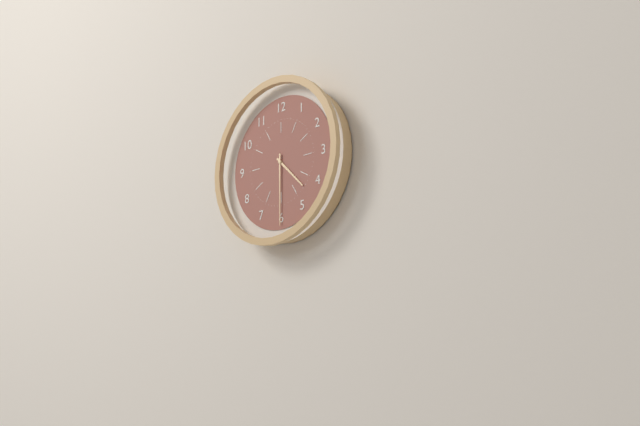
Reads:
h=4 m=30
